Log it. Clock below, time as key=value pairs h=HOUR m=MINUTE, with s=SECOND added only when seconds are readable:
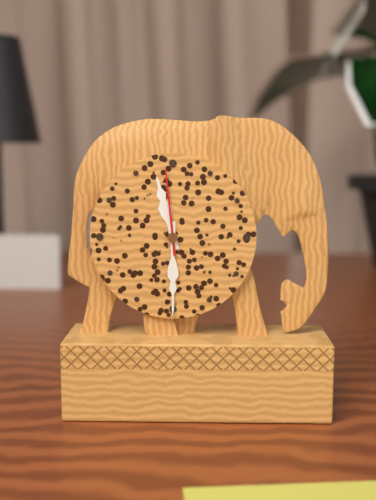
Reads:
h=11 m=30 s=59
